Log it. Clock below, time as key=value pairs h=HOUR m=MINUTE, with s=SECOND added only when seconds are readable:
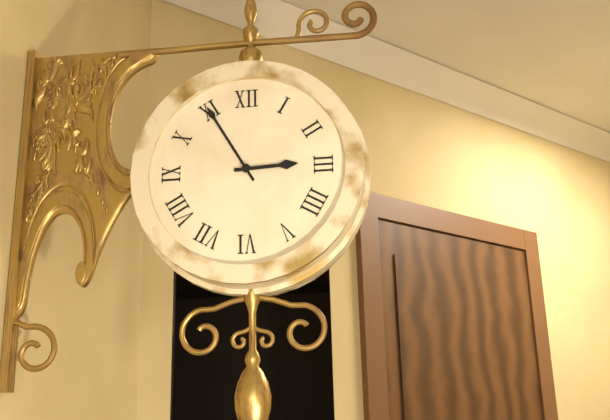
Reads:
h=2 m=55
